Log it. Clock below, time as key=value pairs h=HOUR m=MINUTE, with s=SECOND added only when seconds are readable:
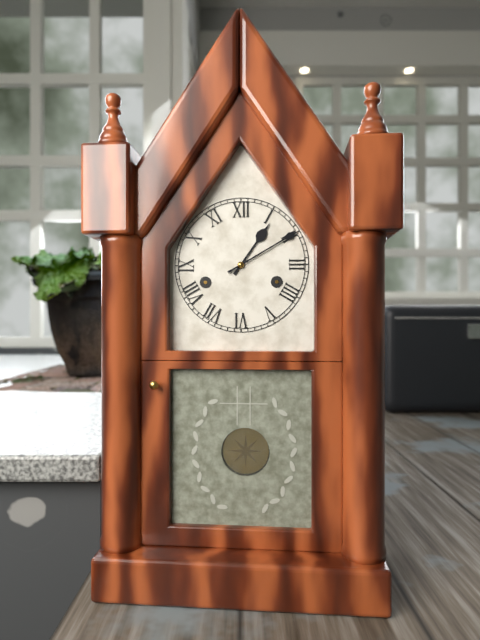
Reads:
h=1 m=10
